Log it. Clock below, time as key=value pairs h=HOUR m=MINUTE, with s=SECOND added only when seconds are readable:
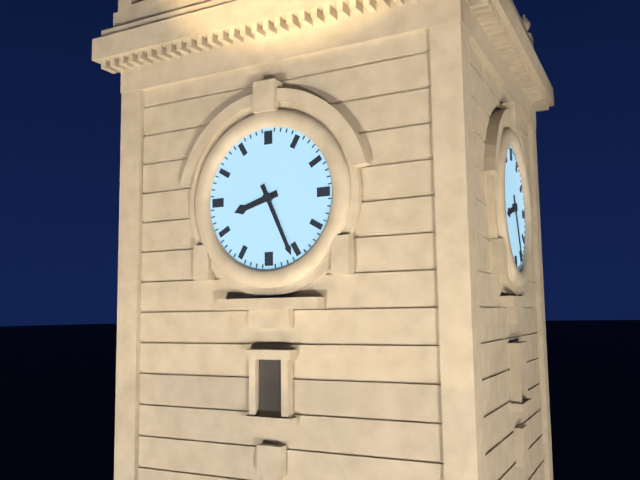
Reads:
h=8 m=26
